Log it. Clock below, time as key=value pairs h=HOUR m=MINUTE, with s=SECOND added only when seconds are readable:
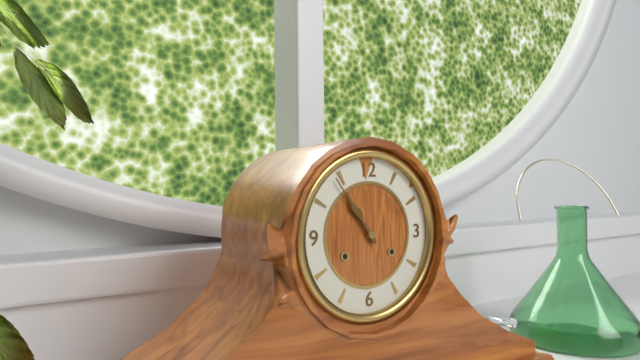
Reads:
h=10 m=54
